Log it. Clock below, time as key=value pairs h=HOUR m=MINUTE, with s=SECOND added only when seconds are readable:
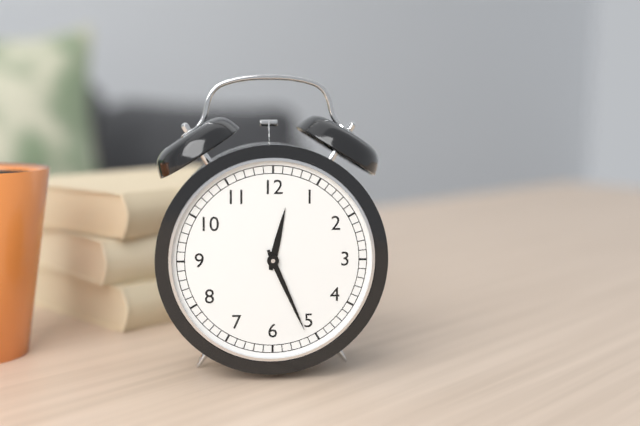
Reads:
h=12 m=26
